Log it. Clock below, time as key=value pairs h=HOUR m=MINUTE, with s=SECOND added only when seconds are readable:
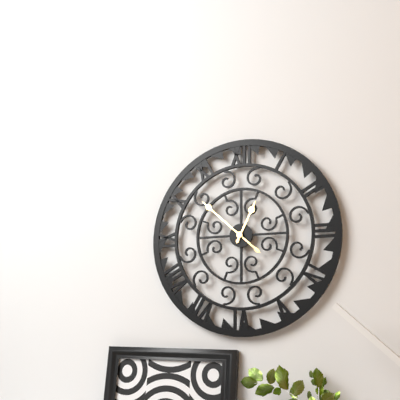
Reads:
h=12 m=52
